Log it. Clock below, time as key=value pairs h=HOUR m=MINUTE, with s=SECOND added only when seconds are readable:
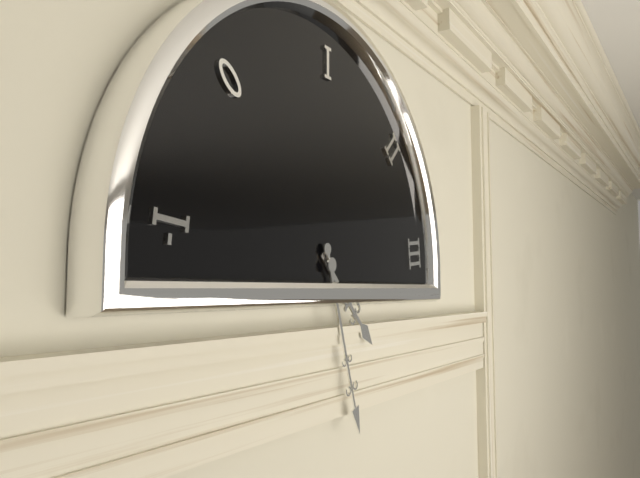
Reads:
h=4 m=27
